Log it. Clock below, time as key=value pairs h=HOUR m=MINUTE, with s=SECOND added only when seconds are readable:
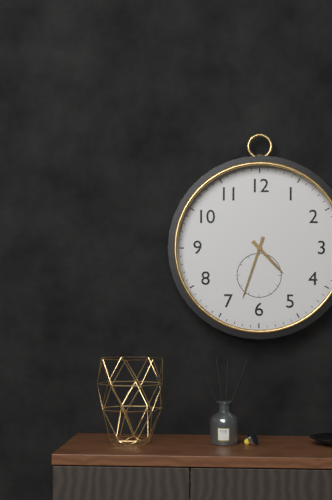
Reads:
h=4 m=33
